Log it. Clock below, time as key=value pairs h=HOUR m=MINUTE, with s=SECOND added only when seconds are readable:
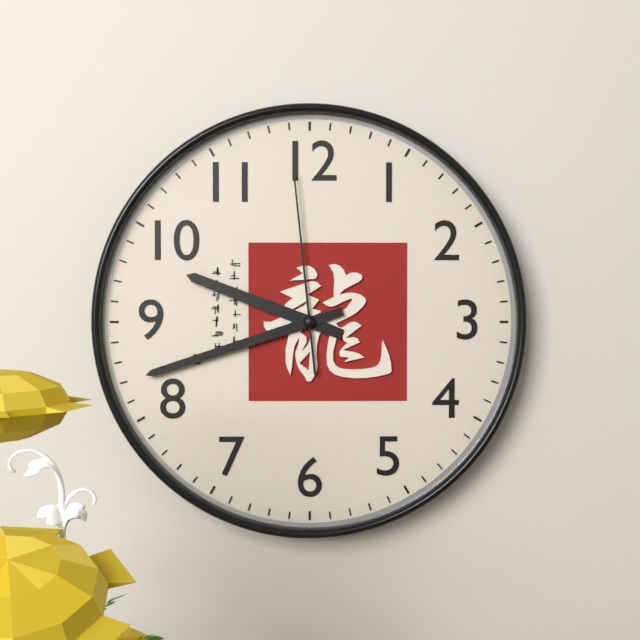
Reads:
h=9 m=42 s=59
